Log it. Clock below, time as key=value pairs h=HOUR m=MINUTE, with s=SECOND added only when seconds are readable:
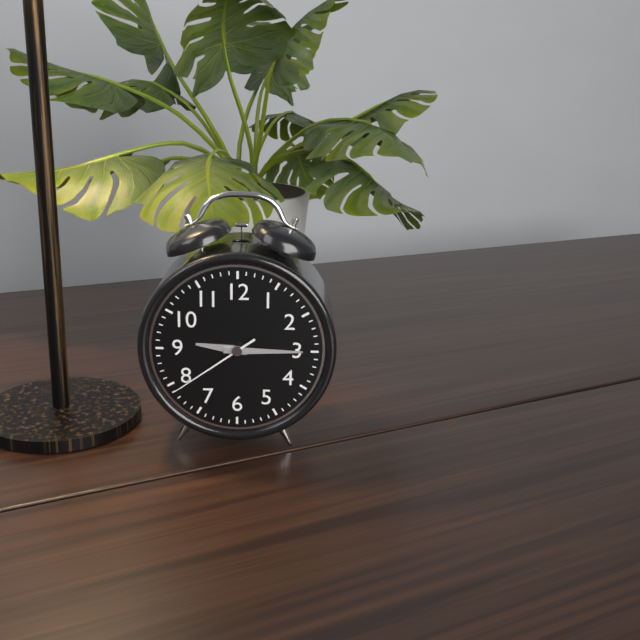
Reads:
h=9 m=15 s=39
